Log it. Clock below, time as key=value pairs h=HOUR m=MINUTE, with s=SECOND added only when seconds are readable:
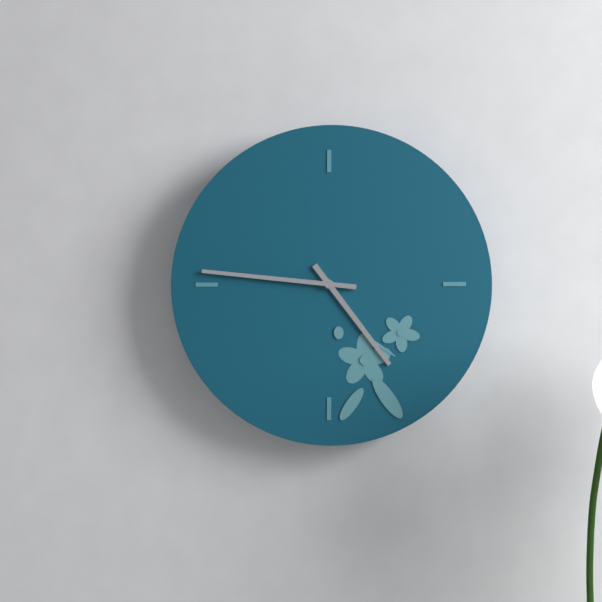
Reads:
h=4 m=46
